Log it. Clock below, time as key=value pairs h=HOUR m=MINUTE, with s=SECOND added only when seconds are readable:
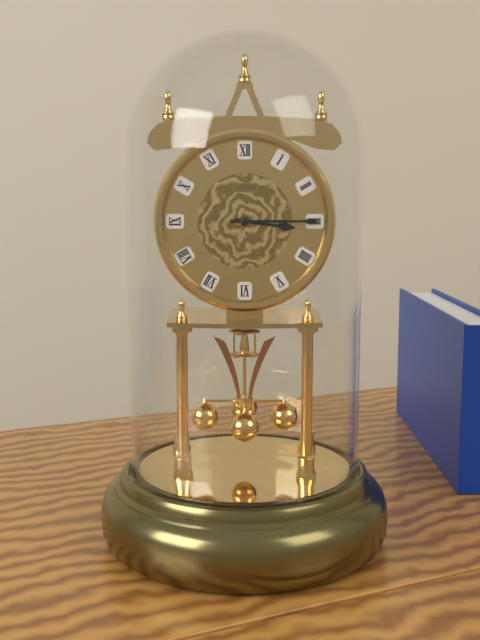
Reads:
h=3 m=15
